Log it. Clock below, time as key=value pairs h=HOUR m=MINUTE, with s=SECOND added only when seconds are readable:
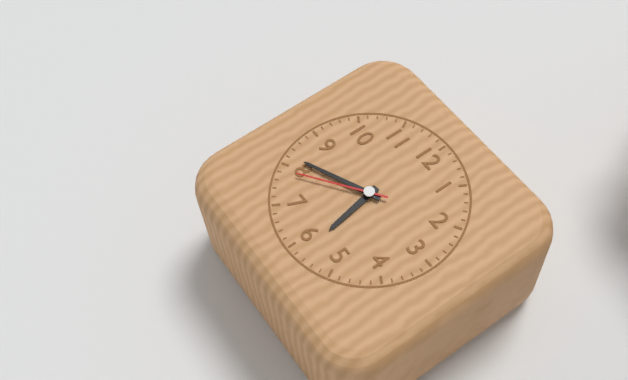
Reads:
h=5 m=41 s=39
